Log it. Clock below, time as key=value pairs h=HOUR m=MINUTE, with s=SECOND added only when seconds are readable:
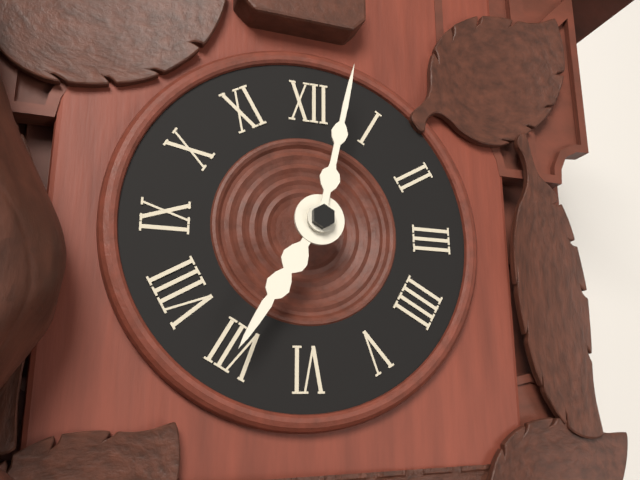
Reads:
h=7 m=2
